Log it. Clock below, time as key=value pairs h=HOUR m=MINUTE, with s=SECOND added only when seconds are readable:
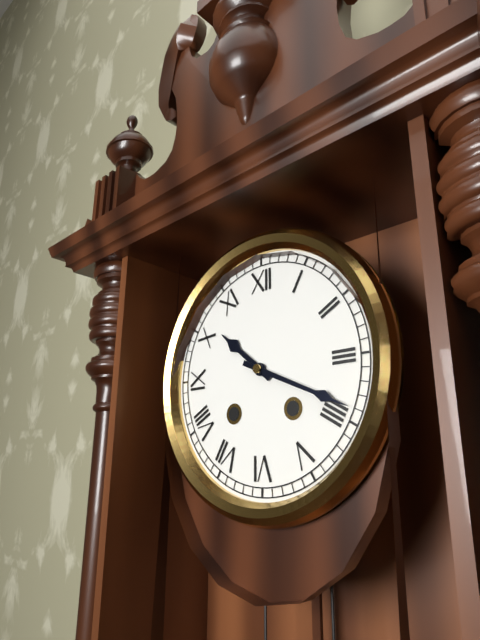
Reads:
h=10 m=19
